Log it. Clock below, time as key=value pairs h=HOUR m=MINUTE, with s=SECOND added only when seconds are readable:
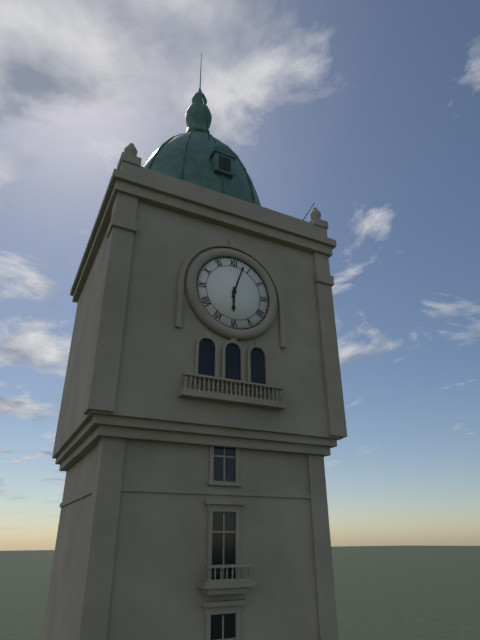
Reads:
h=6 m=3
